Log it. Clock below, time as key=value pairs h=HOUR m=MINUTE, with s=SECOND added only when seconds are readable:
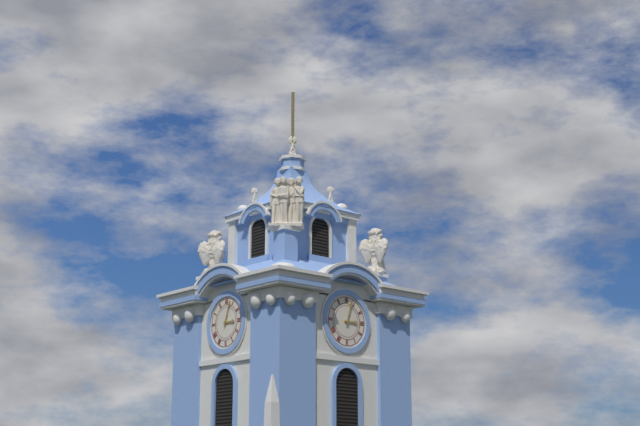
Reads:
h=3 m=3
